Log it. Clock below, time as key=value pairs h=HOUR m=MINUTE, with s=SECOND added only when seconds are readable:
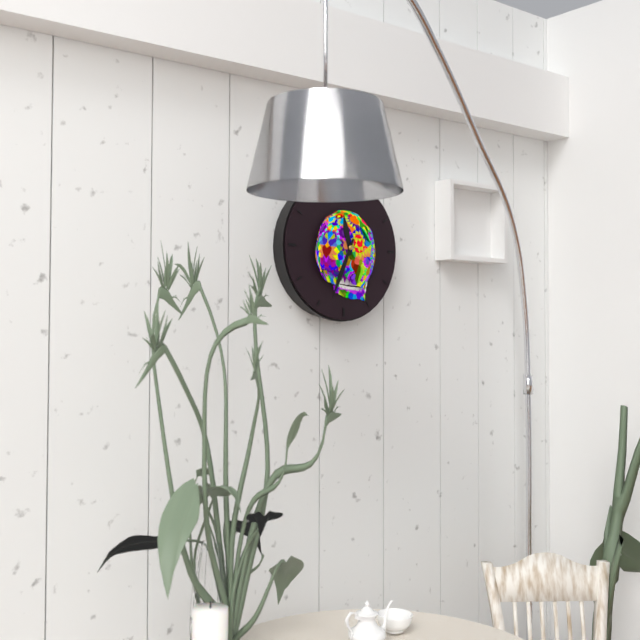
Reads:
h=11 m=34
